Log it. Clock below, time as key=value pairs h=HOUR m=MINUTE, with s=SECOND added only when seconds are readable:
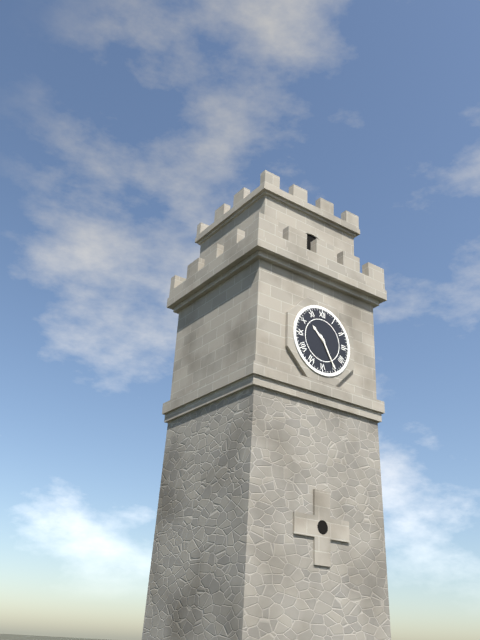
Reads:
h=10 m=25
